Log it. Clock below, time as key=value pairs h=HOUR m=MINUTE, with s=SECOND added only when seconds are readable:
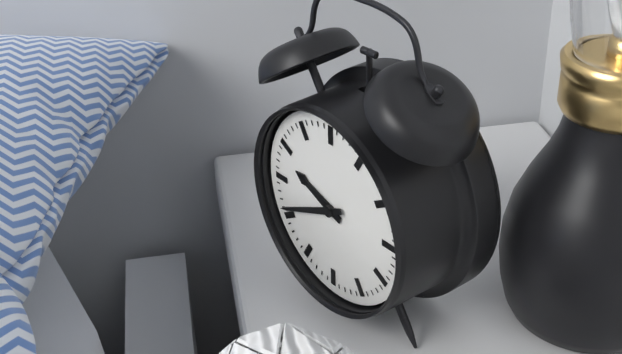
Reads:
h=9 m=41
